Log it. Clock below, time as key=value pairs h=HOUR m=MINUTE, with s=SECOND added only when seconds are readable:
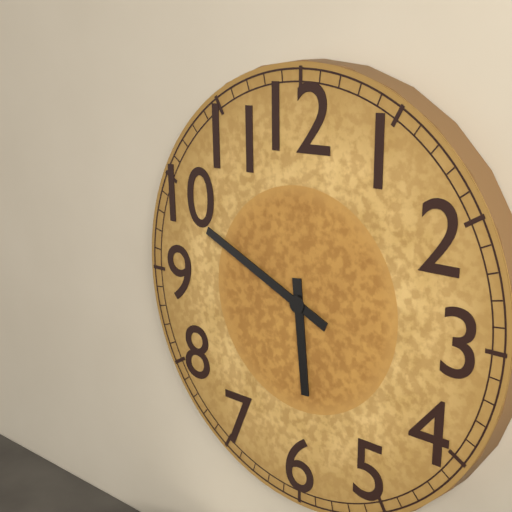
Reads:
h=5 m=49
